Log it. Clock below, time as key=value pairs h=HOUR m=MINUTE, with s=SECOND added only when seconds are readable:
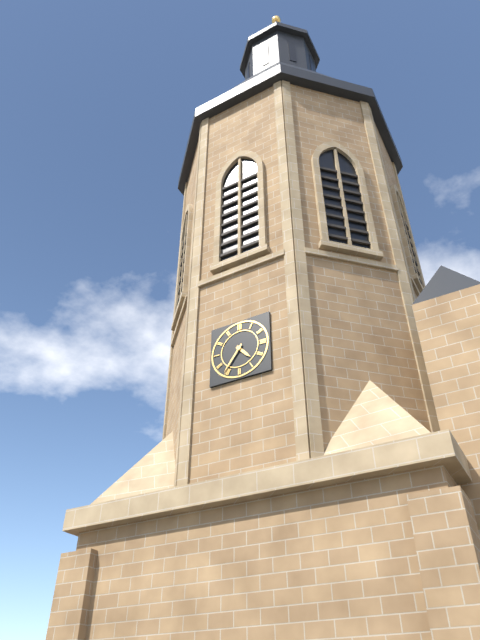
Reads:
h=4 m=36
